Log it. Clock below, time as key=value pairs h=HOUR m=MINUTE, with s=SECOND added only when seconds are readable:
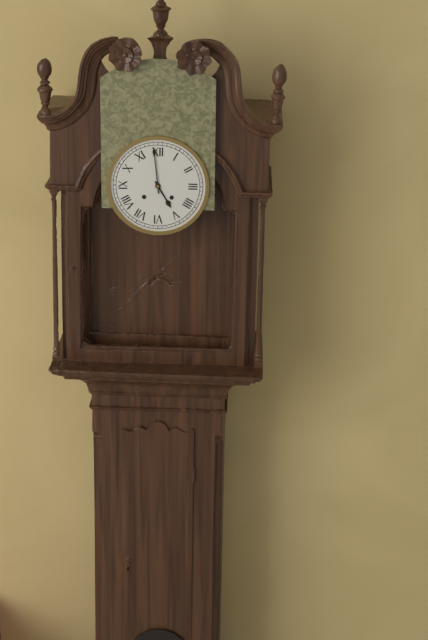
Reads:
h=4 m=59
